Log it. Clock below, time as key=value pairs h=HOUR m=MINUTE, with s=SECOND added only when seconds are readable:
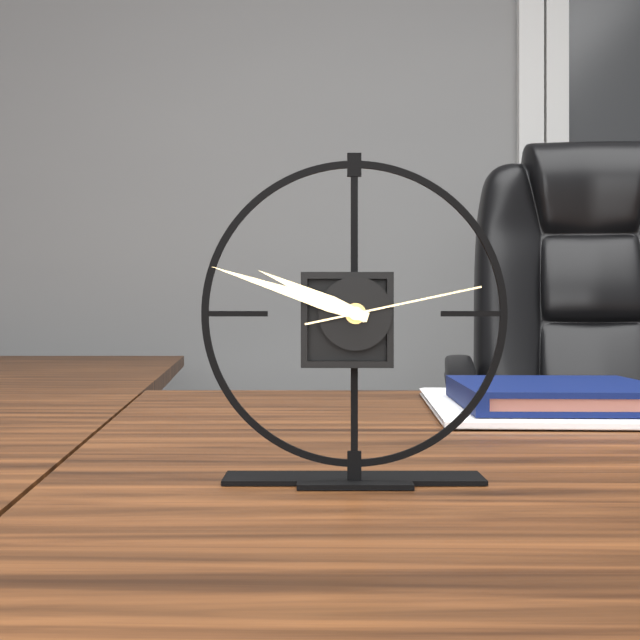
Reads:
h=9 m=48 s=13
